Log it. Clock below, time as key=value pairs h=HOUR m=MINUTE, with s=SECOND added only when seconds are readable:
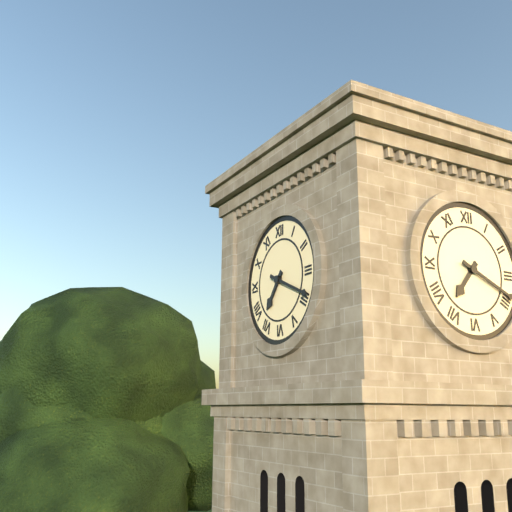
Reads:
h=7 m=19
